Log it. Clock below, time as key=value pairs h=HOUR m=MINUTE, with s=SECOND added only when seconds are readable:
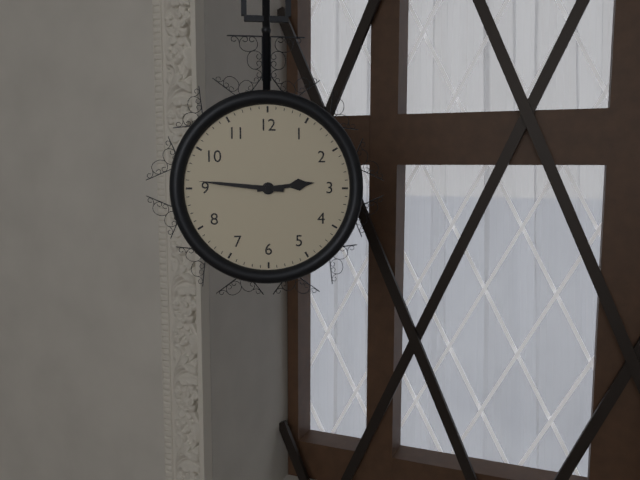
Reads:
h=2 m=46
